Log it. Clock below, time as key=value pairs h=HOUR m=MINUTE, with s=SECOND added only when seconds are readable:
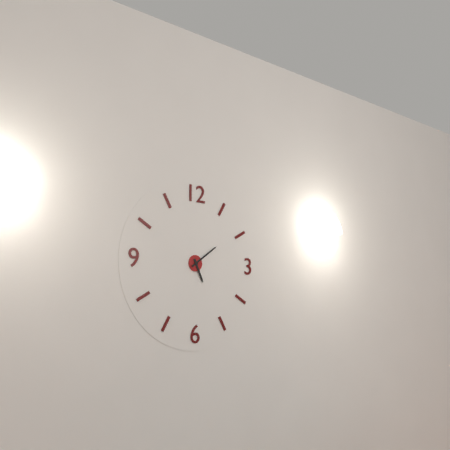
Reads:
h=5 m=9
